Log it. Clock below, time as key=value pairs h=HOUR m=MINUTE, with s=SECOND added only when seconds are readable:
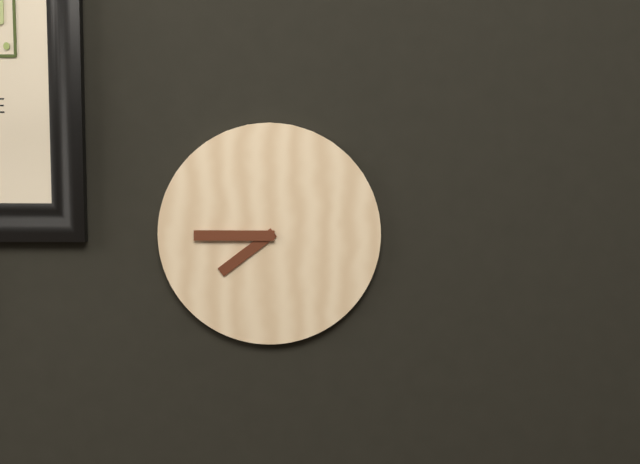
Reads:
h=7 m=45
